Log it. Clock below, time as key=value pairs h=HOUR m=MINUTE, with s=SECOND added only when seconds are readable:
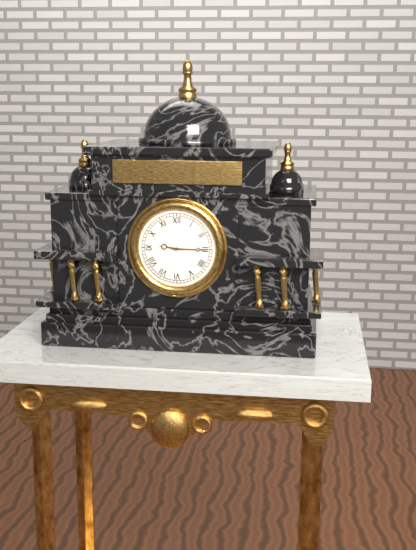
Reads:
h=9 m=15
